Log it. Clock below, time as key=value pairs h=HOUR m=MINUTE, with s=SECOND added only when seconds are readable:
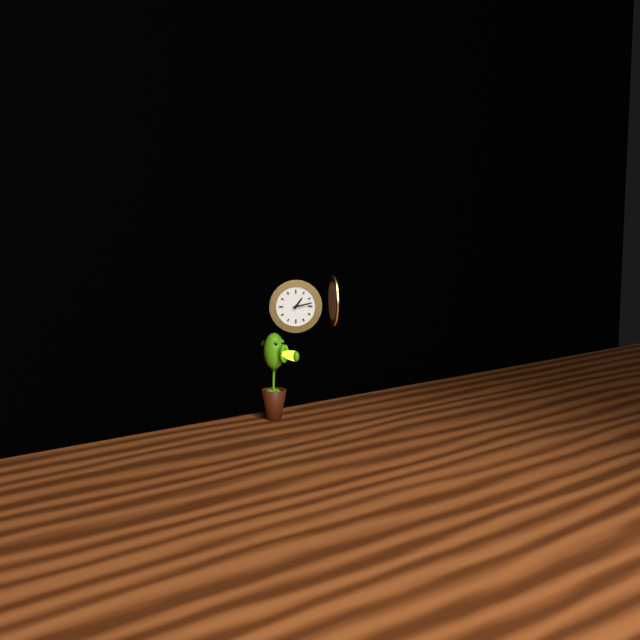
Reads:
h=1 m=13
